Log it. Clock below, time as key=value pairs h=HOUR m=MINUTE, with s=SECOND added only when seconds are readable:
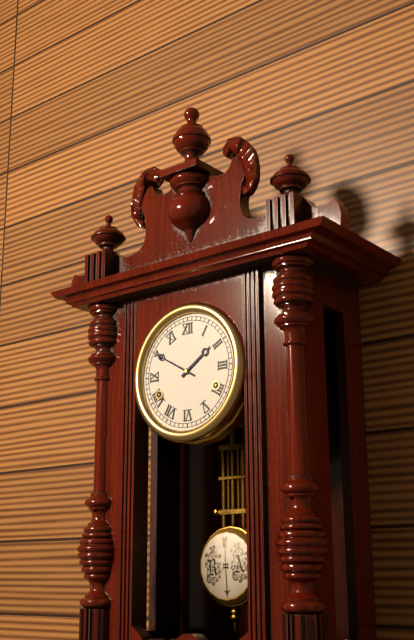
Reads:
h=1 m=50
